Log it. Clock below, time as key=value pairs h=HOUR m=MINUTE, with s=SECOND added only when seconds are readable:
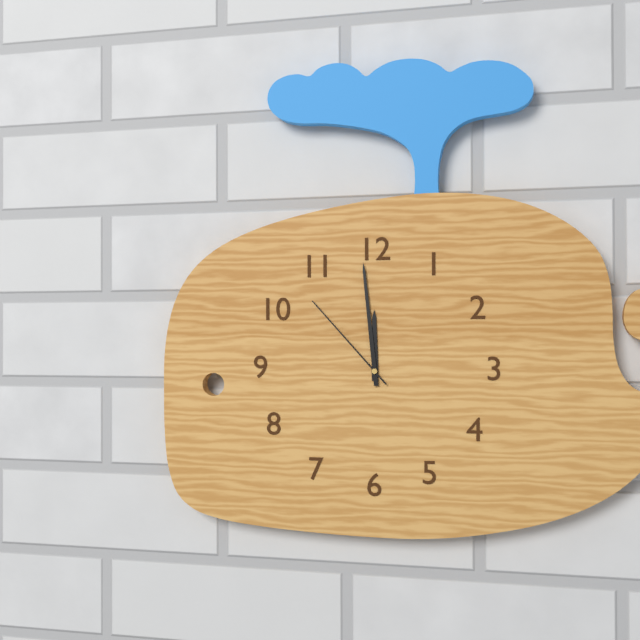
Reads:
h=11 m=59 s=53
